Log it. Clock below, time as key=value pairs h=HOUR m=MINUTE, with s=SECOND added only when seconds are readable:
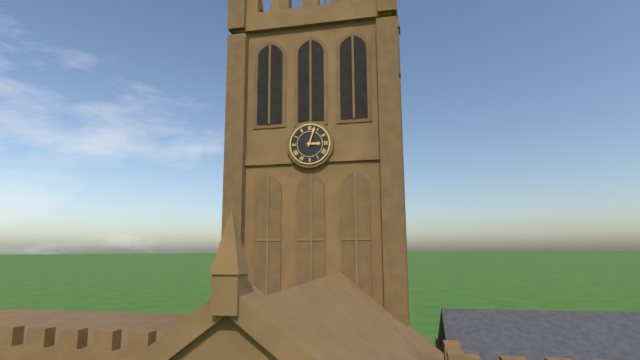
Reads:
h=3 m=3
